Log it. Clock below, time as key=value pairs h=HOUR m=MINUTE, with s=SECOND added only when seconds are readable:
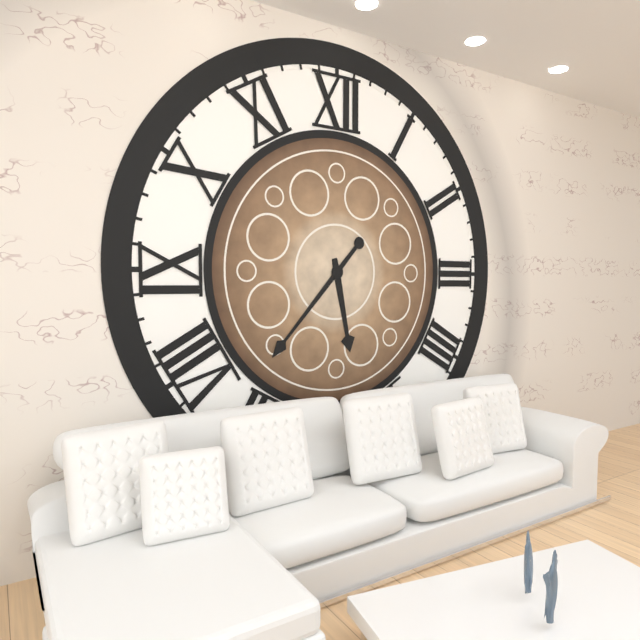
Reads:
h=5 m=37
